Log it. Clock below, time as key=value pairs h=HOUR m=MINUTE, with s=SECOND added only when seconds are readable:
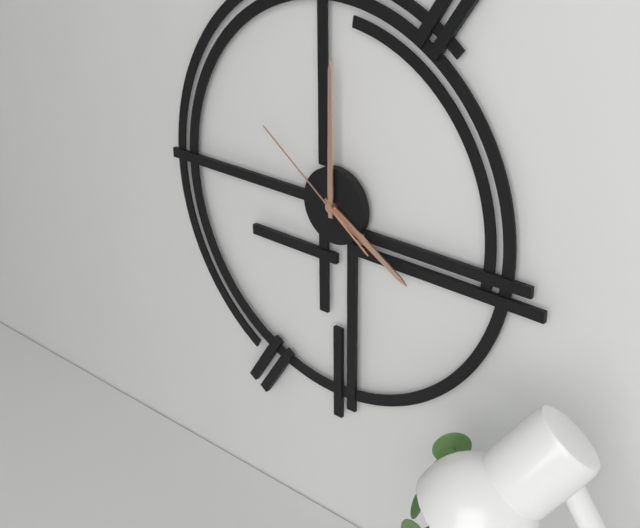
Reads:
h=4 m=0 s=51
